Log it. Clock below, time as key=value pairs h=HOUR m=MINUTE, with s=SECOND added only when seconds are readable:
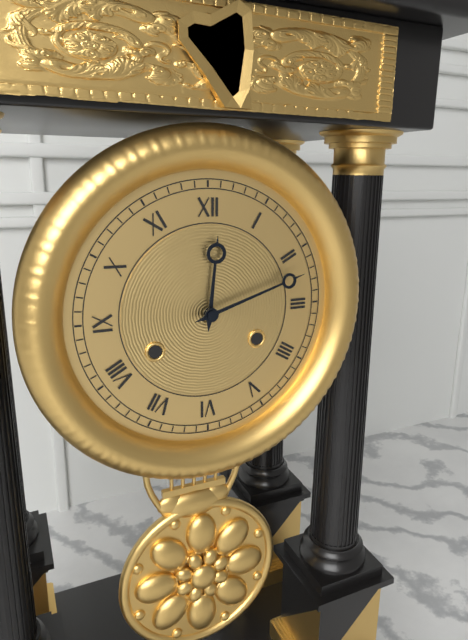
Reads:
h=12 m=12
